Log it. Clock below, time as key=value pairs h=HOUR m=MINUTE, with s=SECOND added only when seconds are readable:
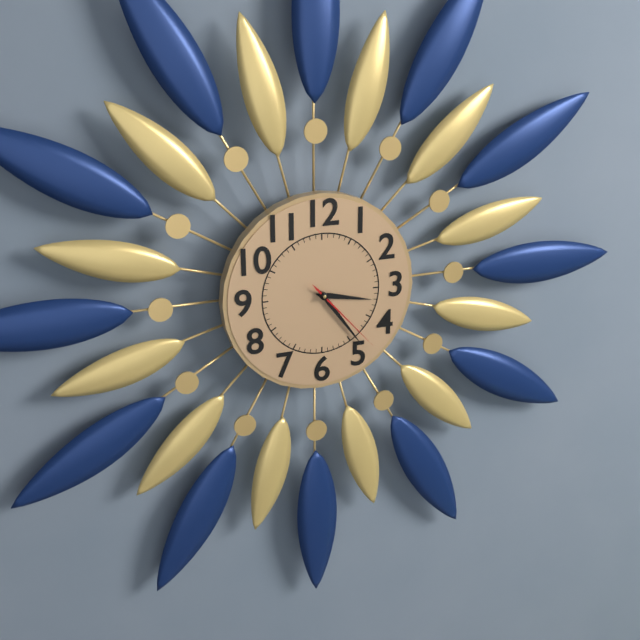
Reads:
h=3 m=24 s=23
